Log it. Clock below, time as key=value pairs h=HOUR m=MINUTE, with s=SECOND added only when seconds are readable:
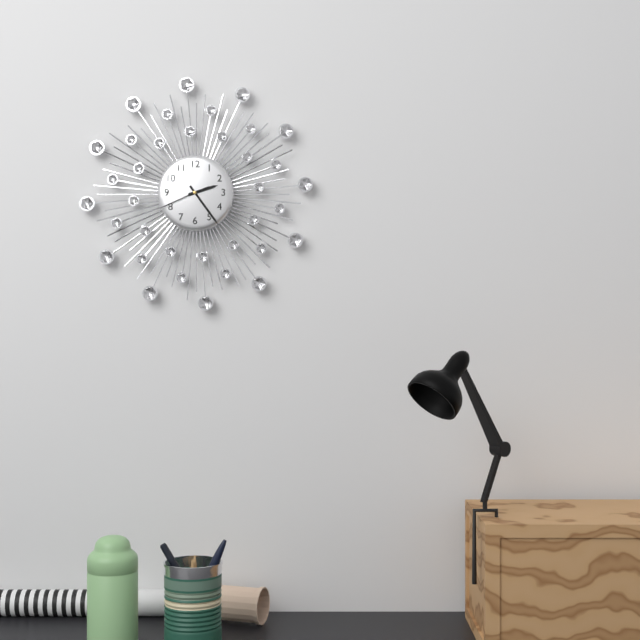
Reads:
h=2 m=24 s=41
